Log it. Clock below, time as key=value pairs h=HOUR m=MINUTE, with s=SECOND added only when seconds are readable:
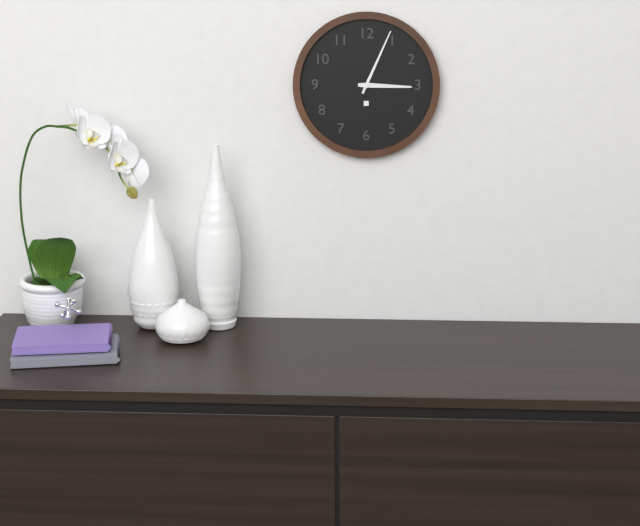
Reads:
h=3 m=4
